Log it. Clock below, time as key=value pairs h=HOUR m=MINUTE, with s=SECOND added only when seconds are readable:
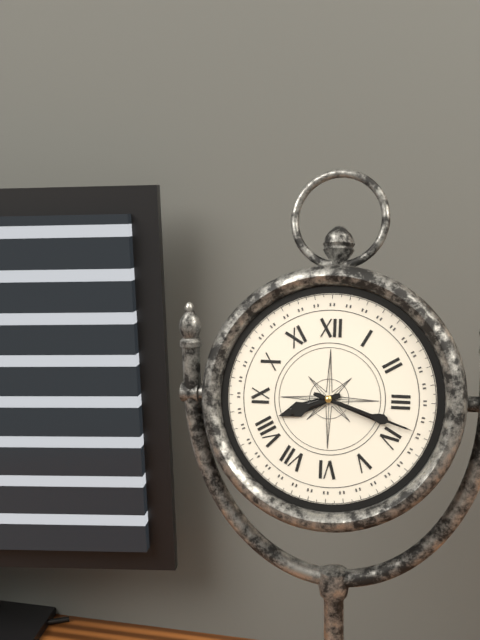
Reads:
h=8 m=18
